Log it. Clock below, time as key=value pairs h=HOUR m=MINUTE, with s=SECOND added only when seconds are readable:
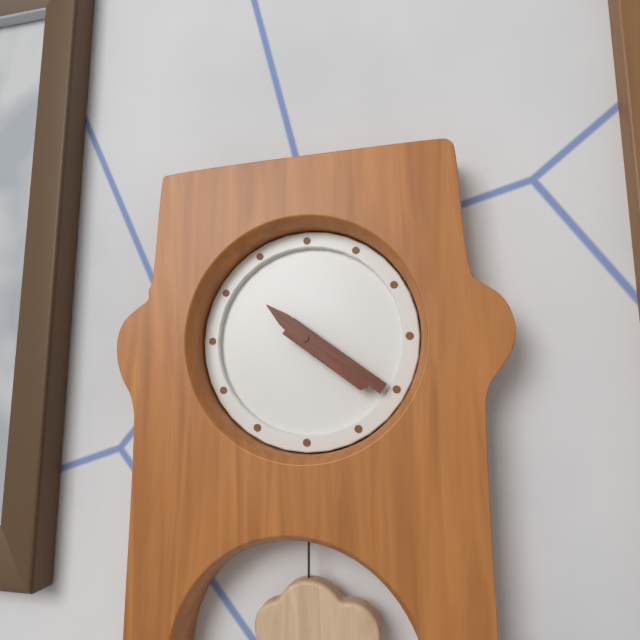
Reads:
h=10 m=21
